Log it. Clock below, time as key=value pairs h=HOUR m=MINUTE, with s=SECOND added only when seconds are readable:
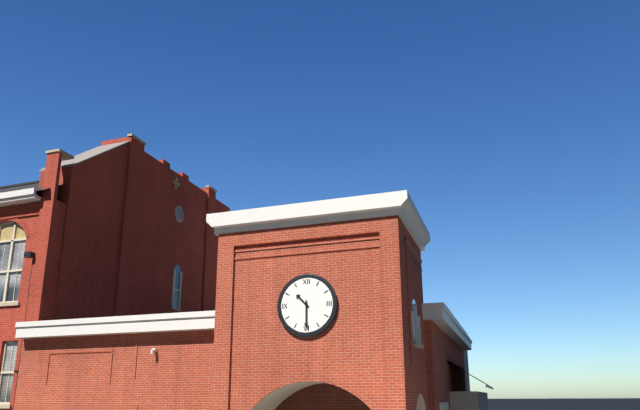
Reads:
h=10 m=30
